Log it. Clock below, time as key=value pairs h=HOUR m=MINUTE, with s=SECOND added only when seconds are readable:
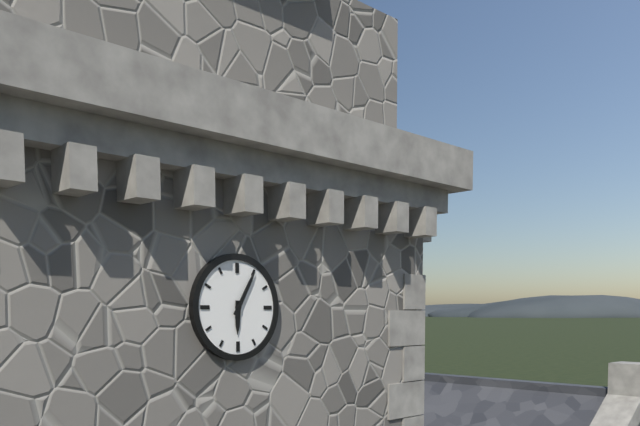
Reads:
h=6 m=5
